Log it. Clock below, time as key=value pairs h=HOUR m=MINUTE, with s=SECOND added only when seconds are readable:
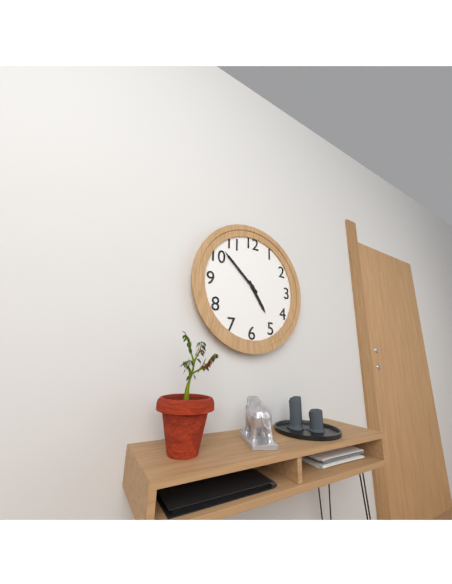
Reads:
h=4 m=52
